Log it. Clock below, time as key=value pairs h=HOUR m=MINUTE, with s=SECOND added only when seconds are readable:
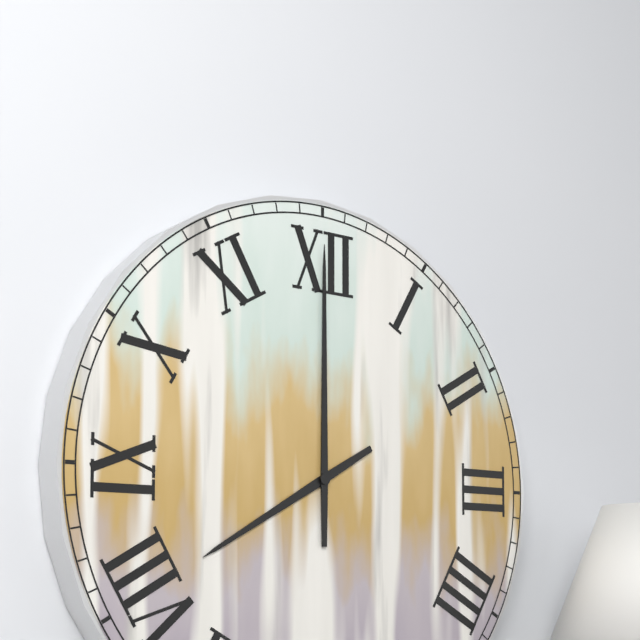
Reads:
h=8 m=0
